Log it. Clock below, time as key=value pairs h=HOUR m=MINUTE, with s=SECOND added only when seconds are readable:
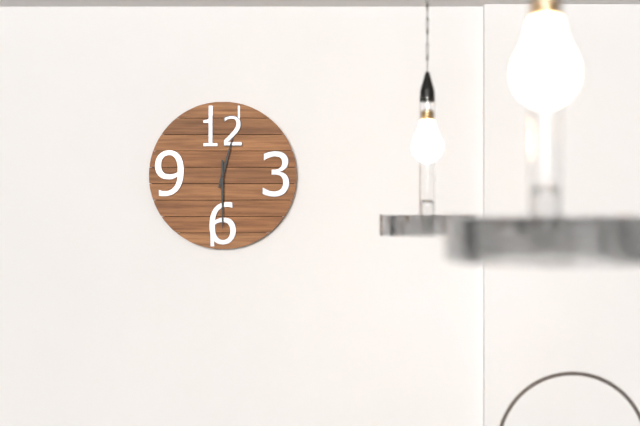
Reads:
h=12 m=30
